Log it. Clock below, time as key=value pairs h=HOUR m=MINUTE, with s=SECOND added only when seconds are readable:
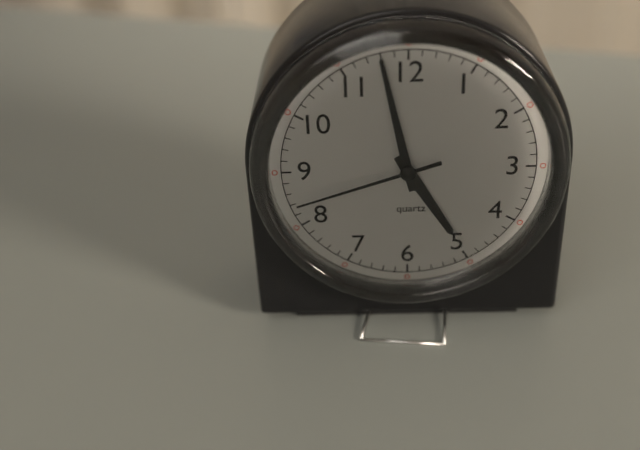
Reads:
h=4 m=58 s=42
